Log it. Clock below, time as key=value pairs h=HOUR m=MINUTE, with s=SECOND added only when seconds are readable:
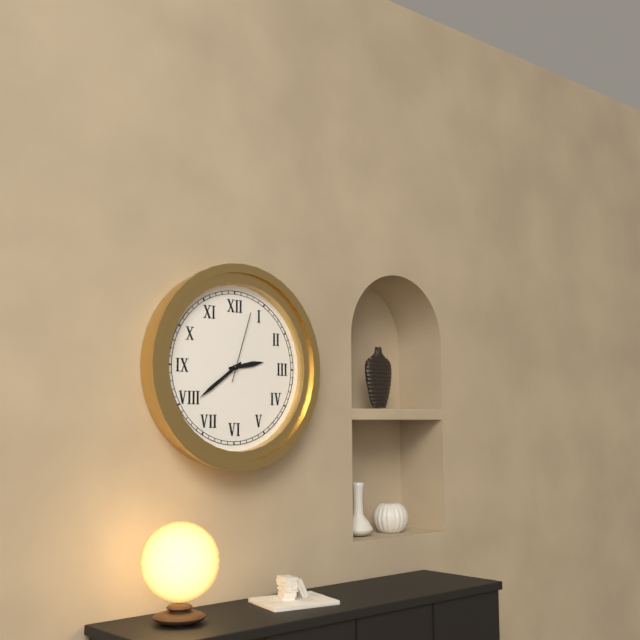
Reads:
h=2 m=39 s=3
